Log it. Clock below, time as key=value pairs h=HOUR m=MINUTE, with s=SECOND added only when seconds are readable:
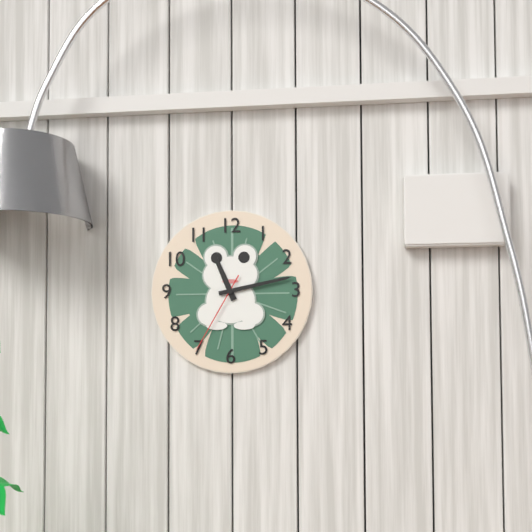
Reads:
h=11 m=13 s=35
